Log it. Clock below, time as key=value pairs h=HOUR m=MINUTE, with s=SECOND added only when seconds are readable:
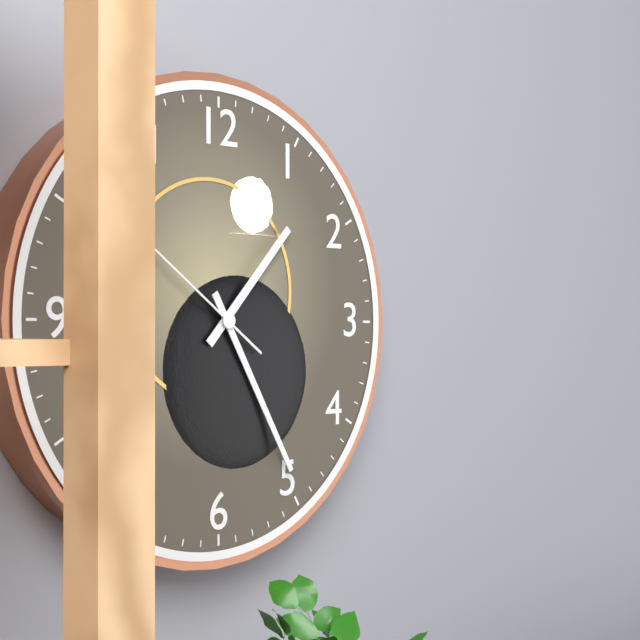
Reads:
h=1 m=25
